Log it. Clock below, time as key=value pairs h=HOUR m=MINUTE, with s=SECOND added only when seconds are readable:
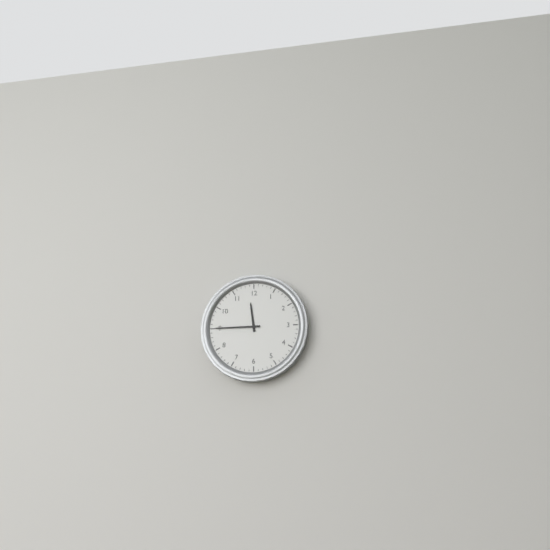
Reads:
h=11 m=45
